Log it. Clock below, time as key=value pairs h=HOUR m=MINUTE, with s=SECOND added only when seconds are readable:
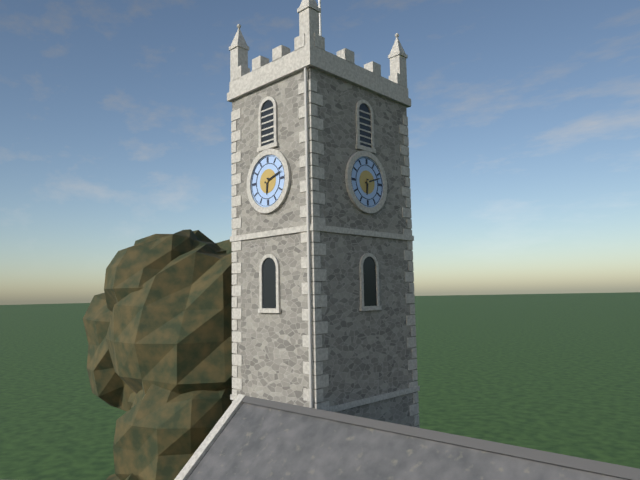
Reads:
h=6 m=12
